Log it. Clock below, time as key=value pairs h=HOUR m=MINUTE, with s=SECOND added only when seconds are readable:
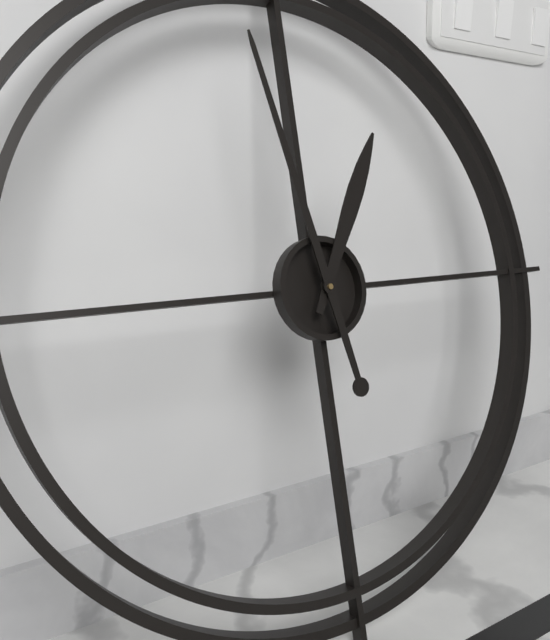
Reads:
h=12 m=58
